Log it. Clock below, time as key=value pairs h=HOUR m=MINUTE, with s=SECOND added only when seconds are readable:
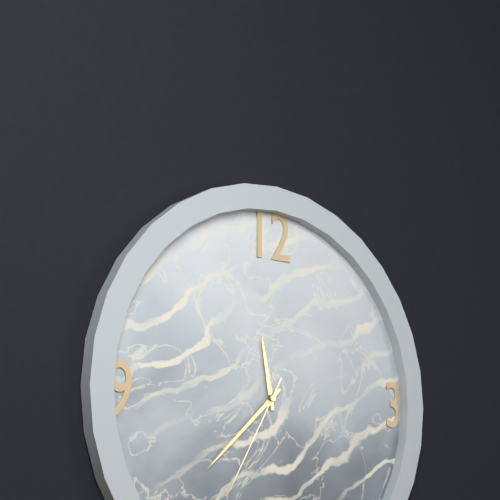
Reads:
h=11 m=38 s=35
